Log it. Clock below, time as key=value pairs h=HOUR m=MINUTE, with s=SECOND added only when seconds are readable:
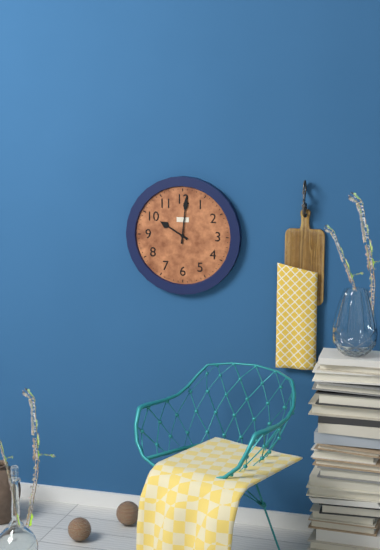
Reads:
h=10 m=1
